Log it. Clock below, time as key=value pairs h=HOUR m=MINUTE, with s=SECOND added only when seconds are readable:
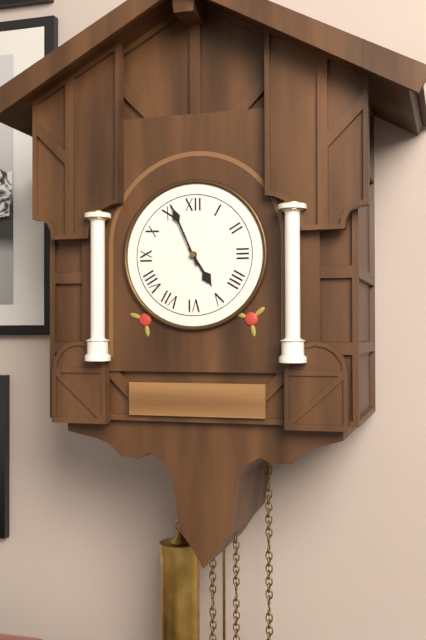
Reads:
h=4 m=56
